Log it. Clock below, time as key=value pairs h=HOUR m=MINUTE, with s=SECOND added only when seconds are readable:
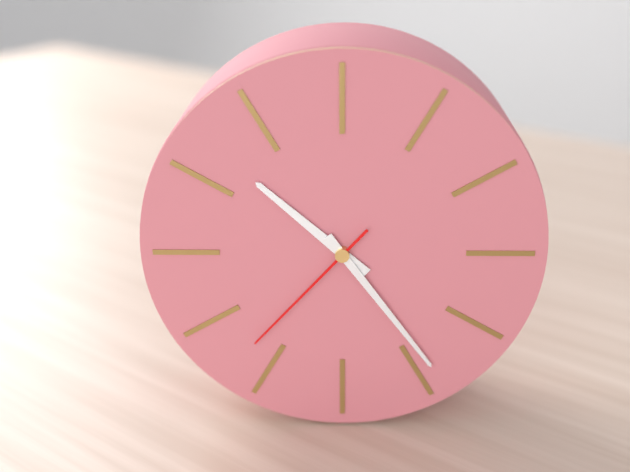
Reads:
h=10 m=24 s=37
